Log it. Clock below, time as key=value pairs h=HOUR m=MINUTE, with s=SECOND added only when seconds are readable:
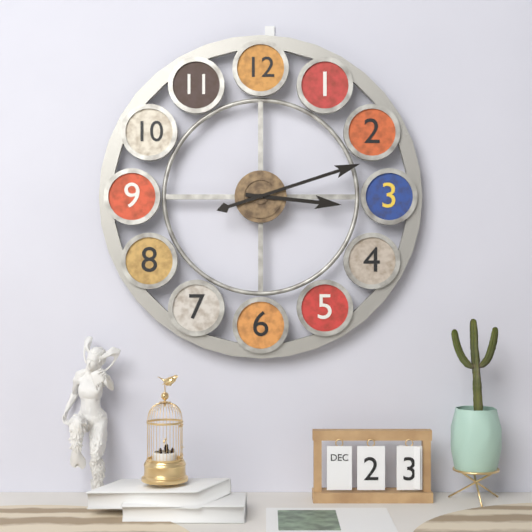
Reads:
h=3 m=12
